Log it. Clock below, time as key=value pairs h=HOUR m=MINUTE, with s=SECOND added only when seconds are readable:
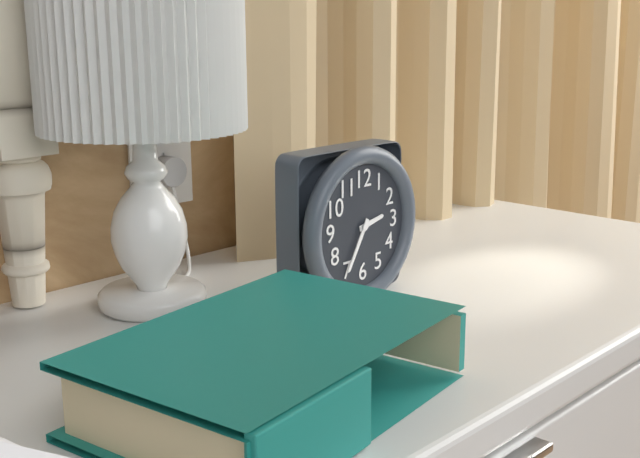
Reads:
h=2 m=35
